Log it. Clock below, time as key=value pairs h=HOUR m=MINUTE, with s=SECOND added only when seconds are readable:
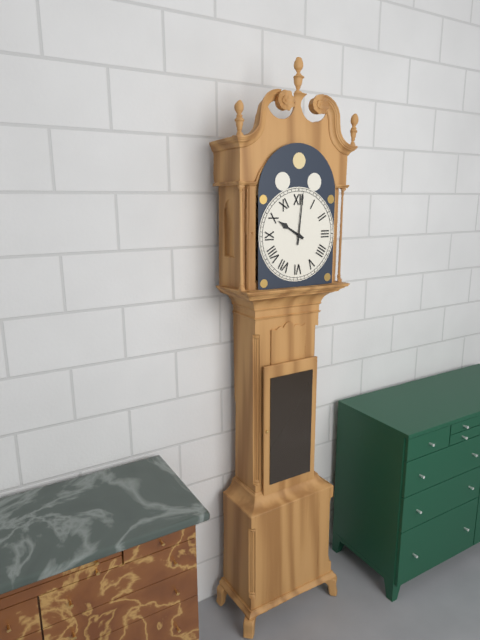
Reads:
h=10 m=1
